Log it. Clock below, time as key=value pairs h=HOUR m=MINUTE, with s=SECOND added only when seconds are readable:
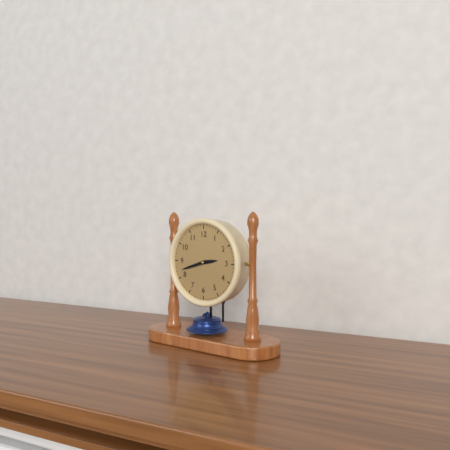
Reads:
h=2 m=42
